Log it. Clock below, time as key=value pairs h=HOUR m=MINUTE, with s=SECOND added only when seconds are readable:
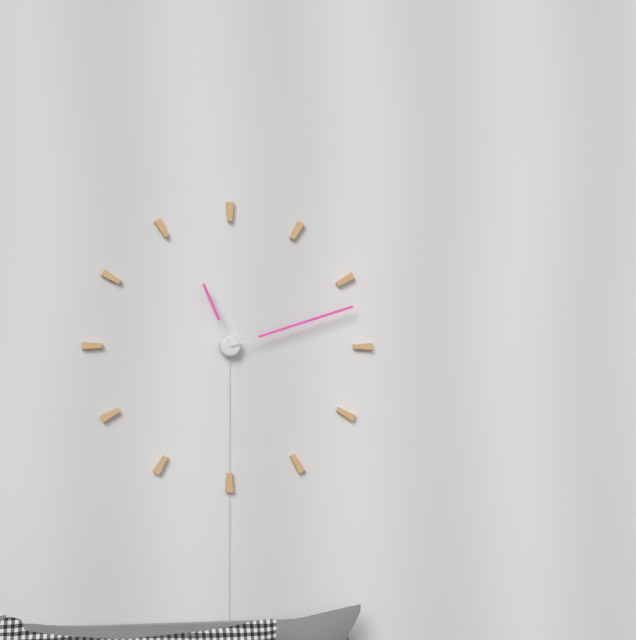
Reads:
h=11 m=12
